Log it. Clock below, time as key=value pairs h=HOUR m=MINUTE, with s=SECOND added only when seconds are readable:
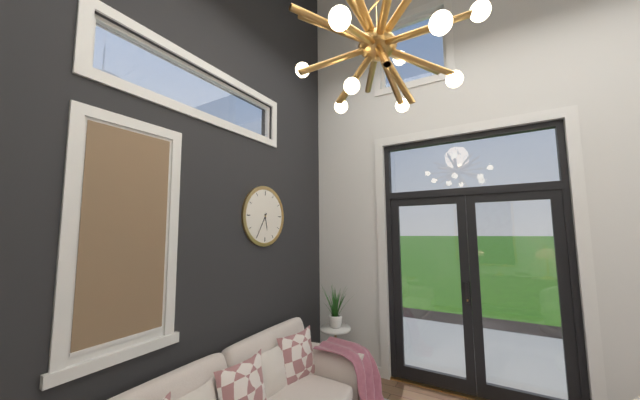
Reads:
h=5 m=35
